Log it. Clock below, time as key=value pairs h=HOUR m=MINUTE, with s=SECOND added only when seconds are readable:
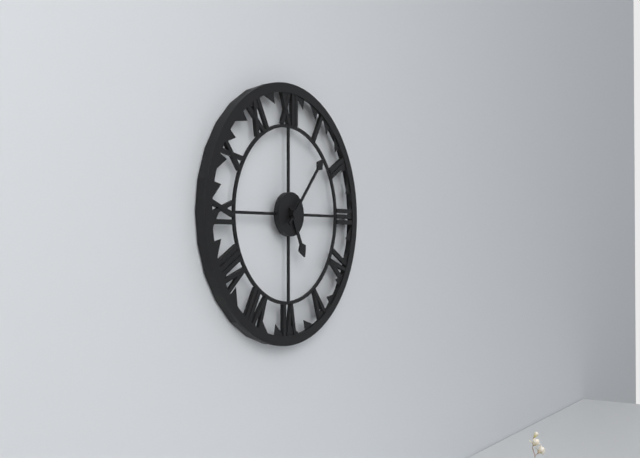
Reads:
h=5 m=7
